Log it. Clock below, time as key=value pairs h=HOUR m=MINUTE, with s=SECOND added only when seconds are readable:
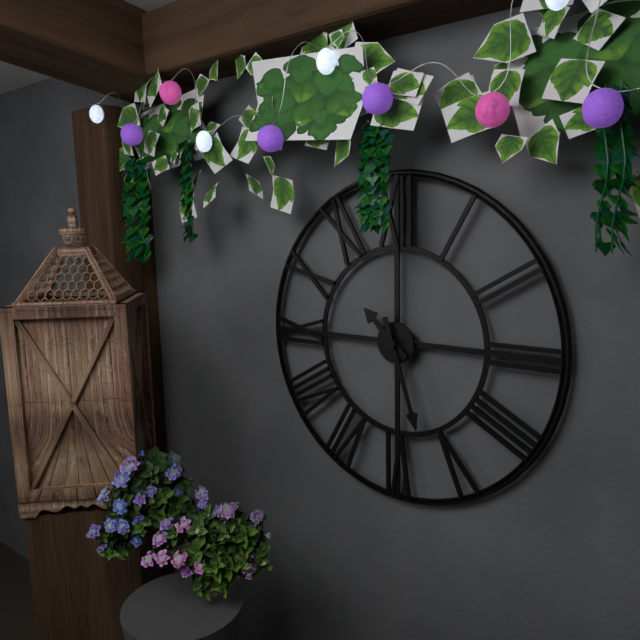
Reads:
h=10 m=27
